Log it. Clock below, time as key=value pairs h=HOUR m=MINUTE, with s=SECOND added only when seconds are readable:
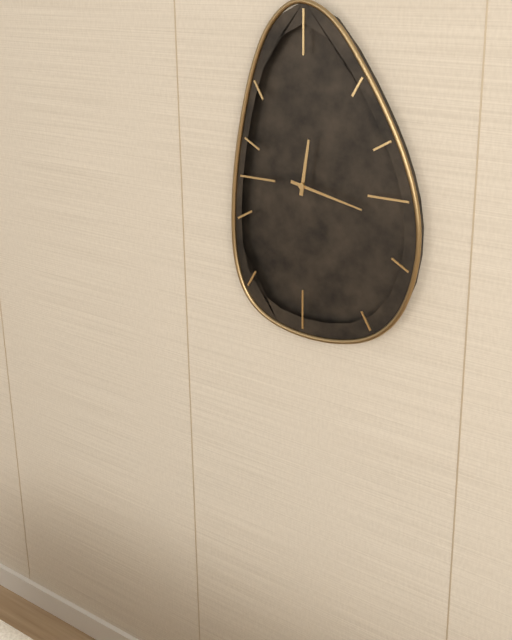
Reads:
h=12 m=17
